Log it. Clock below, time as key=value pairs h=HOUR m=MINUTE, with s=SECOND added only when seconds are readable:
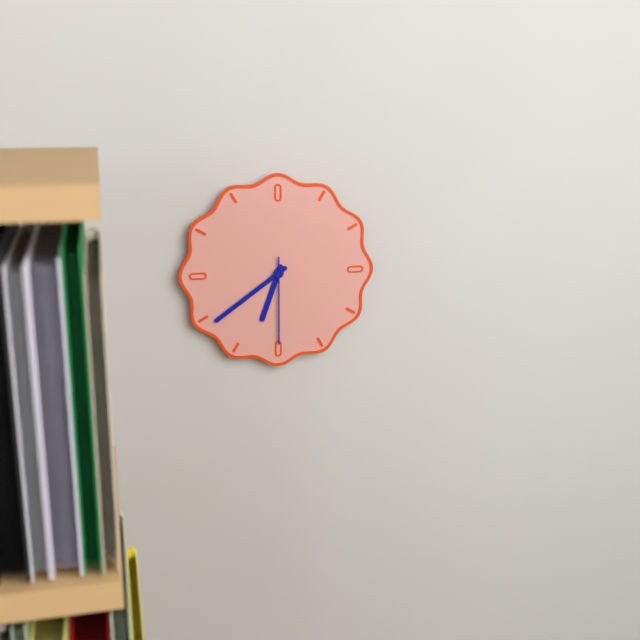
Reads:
h=6 m=39 s=30
